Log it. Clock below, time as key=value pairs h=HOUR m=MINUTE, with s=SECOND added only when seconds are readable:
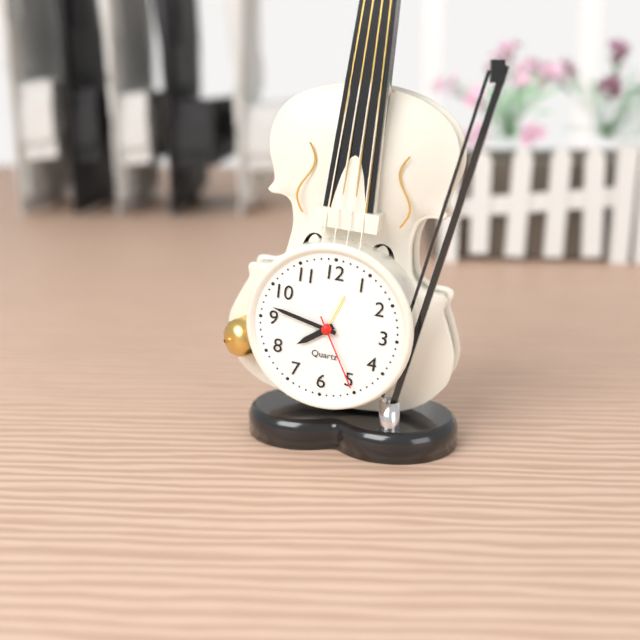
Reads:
h=7 m=47 s=25
